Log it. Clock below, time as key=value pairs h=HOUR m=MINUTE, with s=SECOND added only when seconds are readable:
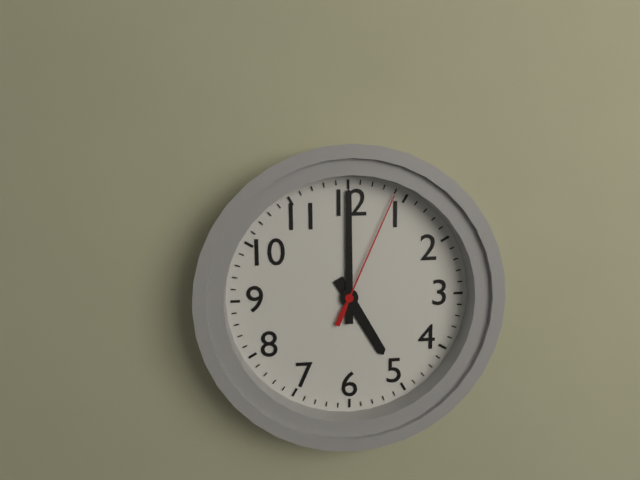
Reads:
h=5 m=0 s=4
